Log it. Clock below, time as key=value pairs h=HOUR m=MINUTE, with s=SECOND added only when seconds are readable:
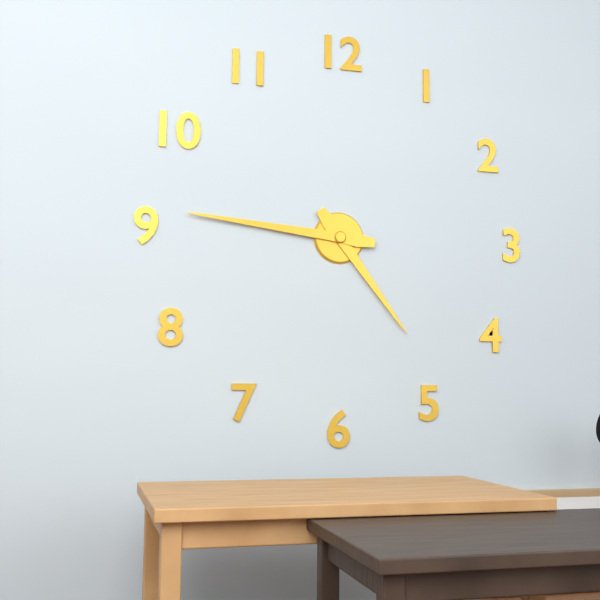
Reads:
h=4 m=46
